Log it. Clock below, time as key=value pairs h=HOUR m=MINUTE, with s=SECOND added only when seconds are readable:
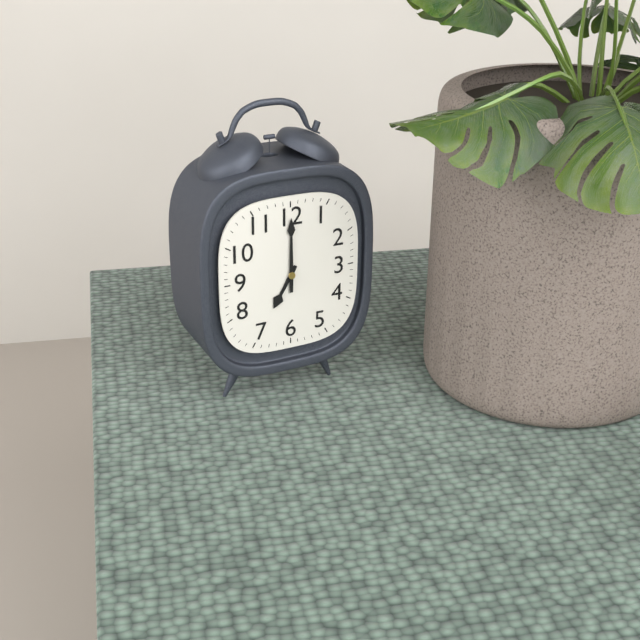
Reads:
h=7 m=0
